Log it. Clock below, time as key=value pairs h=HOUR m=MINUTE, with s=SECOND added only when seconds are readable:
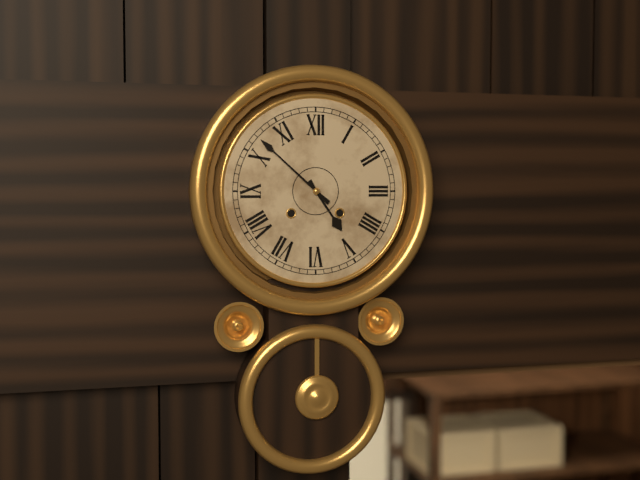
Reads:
h=4 m=52
